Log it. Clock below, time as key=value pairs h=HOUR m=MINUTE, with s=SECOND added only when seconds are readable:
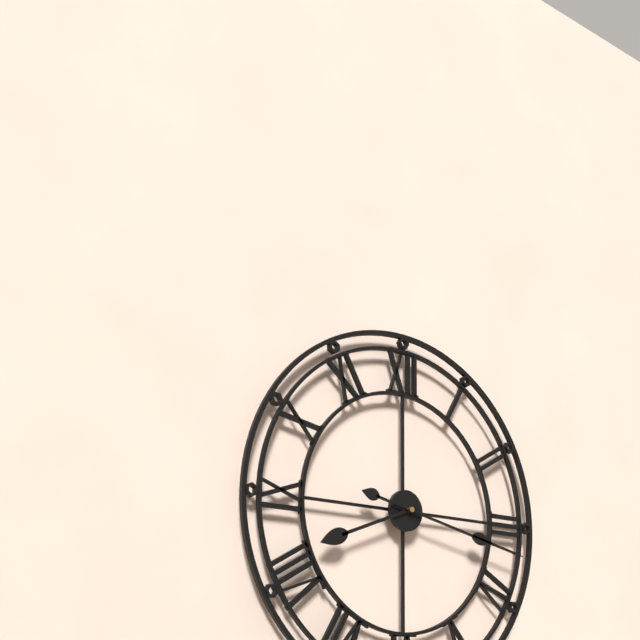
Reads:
h=8 m=17
